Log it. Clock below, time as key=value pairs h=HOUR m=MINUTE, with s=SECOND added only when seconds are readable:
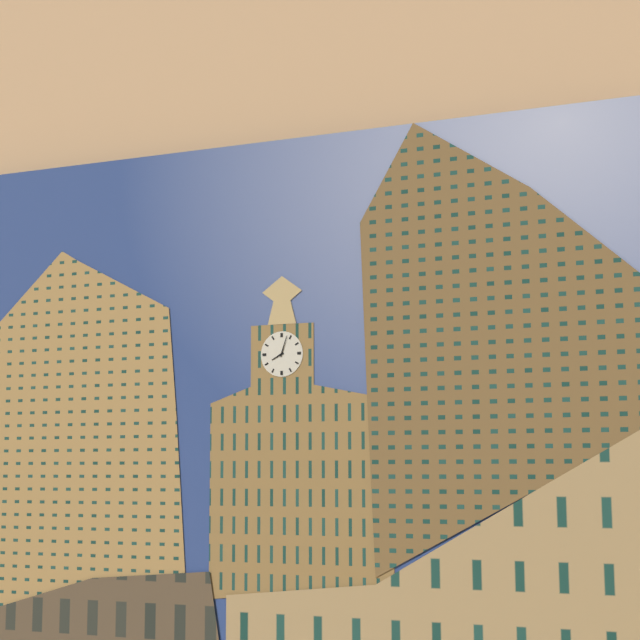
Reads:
h=8 m=3
